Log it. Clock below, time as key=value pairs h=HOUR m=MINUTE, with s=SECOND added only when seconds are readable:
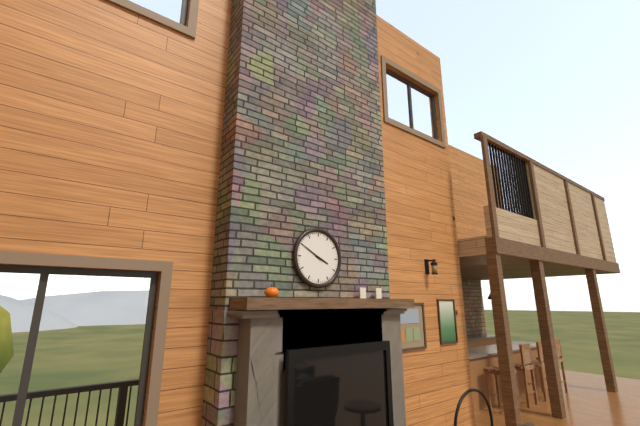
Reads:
h=3 m=50
